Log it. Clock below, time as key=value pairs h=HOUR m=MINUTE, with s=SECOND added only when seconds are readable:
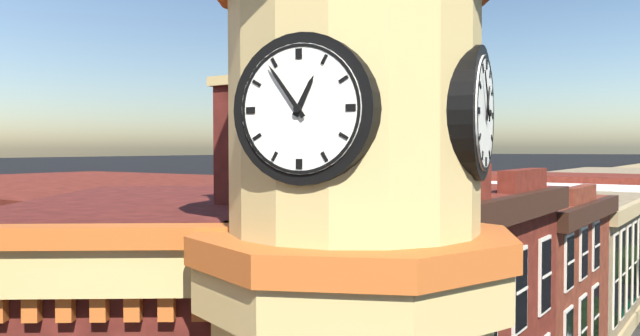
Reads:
h=12 m=54
